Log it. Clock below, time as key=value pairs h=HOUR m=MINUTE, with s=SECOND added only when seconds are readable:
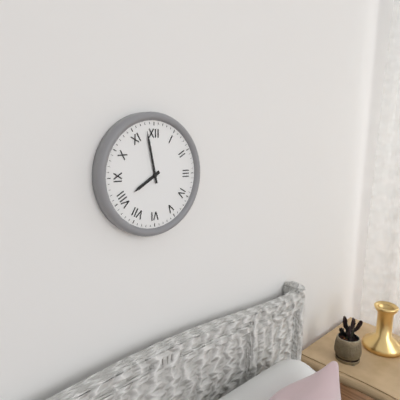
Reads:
h=7 m=58
